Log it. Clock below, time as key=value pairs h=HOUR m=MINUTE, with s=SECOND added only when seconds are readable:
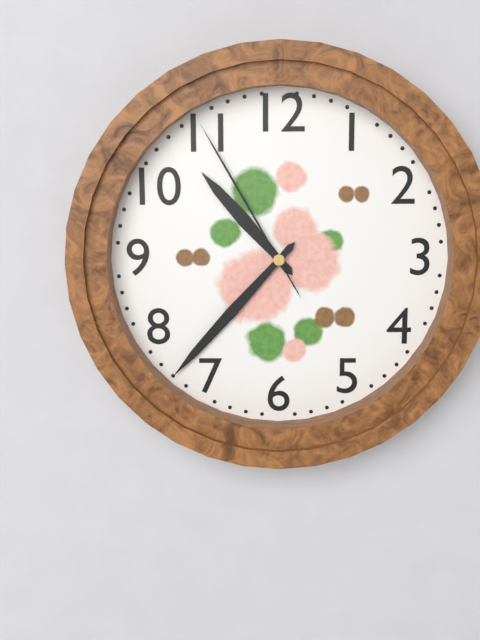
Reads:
h=10 m=37 s=55
